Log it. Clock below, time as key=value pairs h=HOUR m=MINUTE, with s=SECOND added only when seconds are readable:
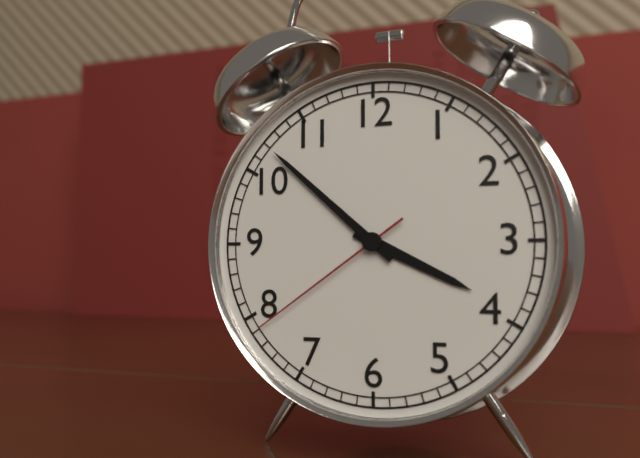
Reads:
h=3 m=52 s=39
